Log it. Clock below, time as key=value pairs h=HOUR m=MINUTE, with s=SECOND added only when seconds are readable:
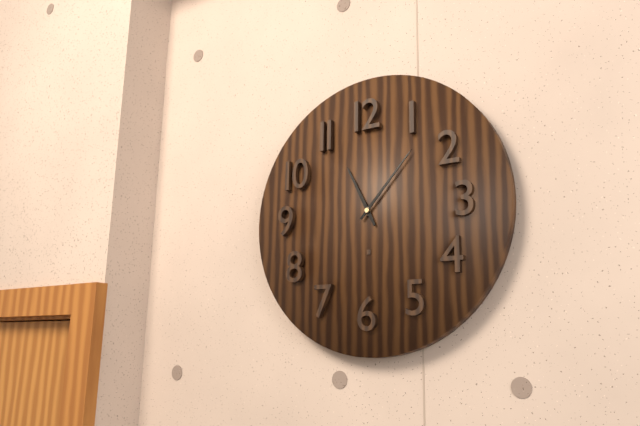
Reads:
h=11 m=7
